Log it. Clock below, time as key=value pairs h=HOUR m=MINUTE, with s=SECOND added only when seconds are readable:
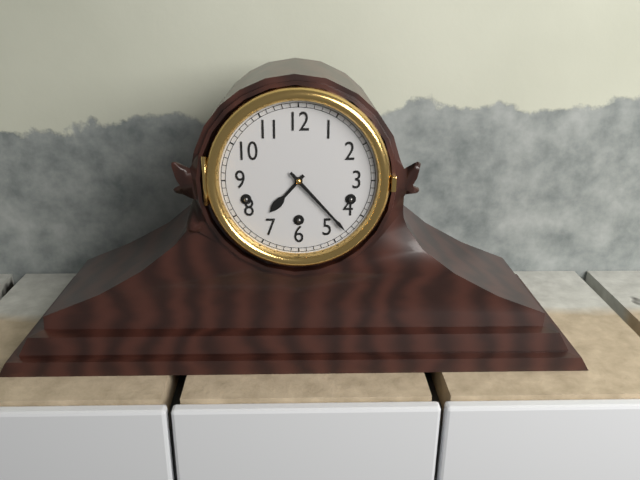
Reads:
h=7 m=23
